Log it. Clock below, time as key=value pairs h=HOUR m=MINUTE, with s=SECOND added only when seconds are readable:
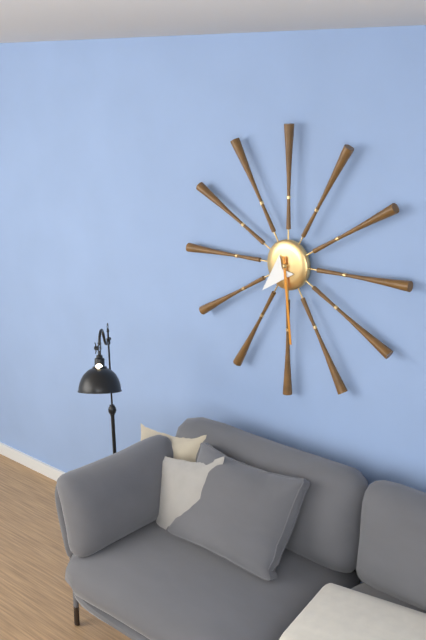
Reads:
h=7 m=29
